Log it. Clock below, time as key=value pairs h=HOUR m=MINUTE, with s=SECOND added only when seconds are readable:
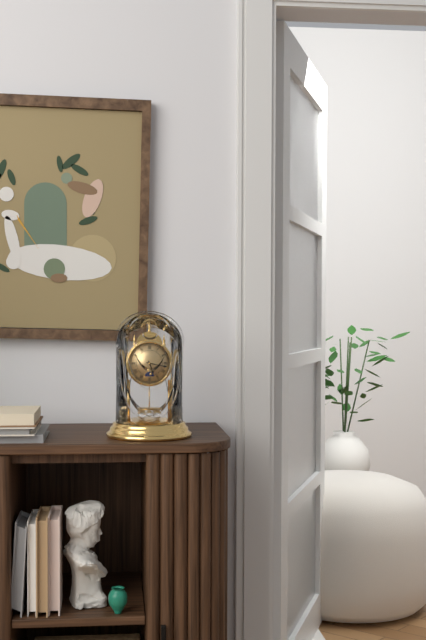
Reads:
h=5 m=17
